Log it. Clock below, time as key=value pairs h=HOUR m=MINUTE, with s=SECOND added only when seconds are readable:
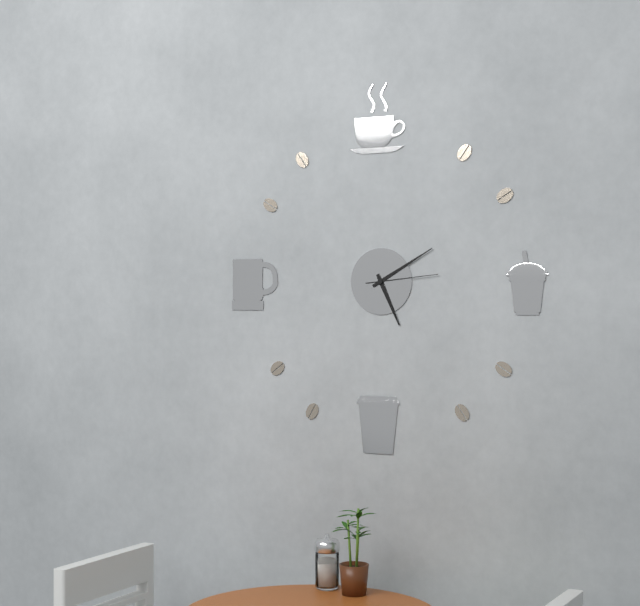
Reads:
h=5 m=10 s=14
